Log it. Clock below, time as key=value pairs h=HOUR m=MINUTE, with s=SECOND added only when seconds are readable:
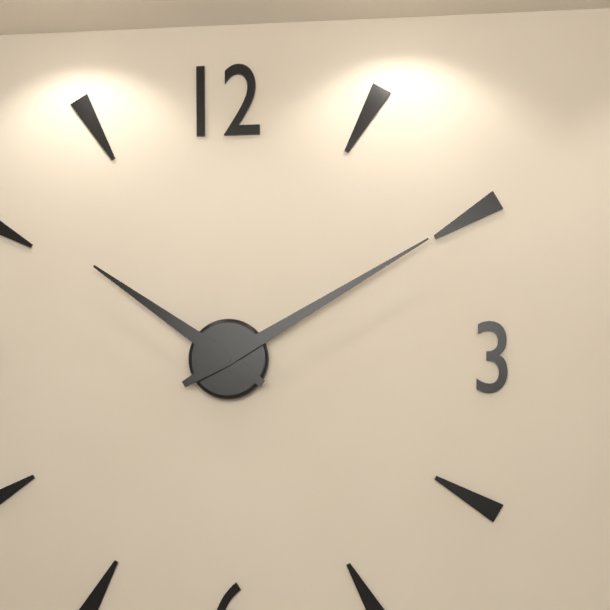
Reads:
h=10 m=10
